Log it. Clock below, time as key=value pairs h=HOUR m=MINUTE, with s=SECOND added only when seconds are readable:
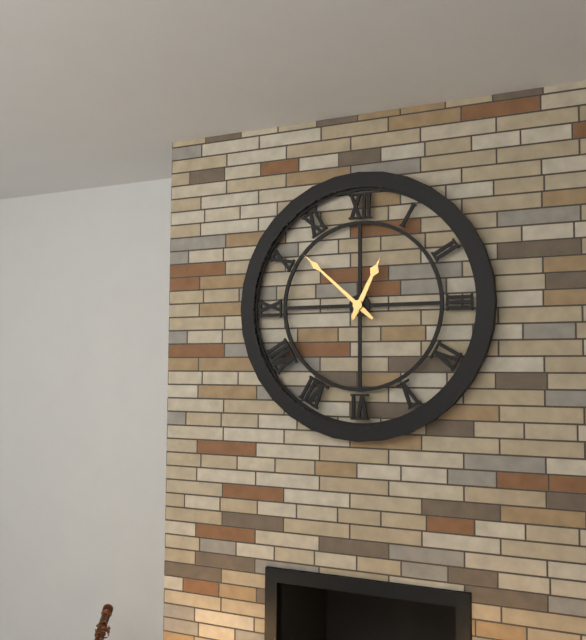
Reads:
h=12 m=52
